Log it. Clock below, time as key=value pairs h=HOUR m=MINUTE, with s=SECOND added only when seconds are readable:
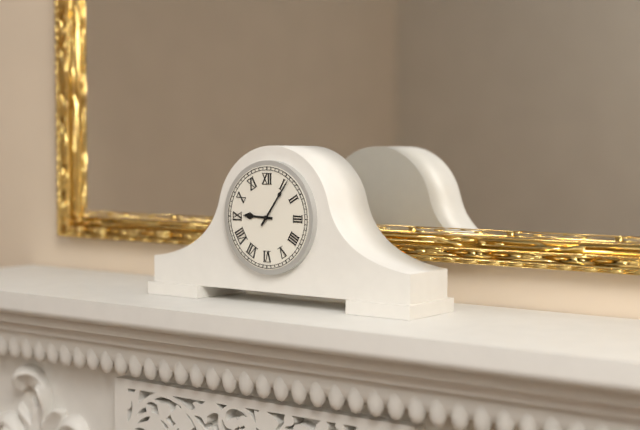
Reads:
h=9 m=6
